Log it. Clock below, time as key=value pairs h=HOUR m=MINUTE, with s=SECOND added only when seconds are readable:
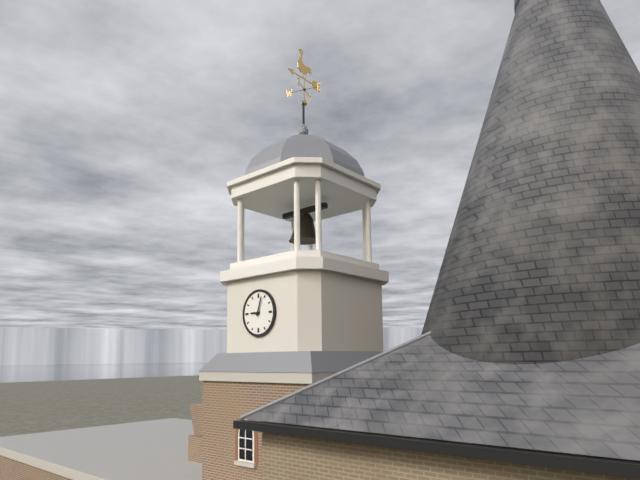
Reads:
h=9 m=3
